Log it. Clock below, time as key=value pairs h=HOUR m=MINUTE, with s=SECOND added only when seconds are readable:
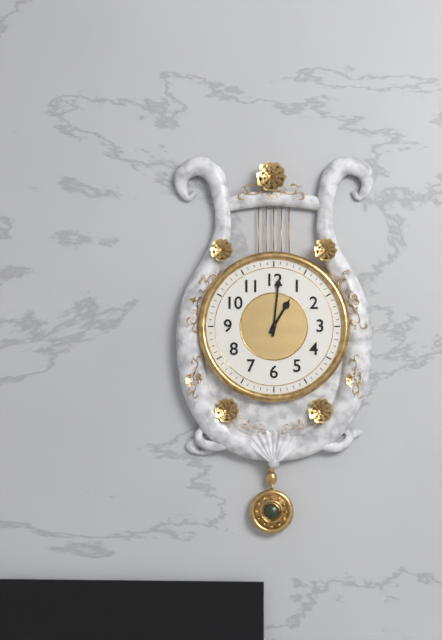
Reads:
h=1 m=1
